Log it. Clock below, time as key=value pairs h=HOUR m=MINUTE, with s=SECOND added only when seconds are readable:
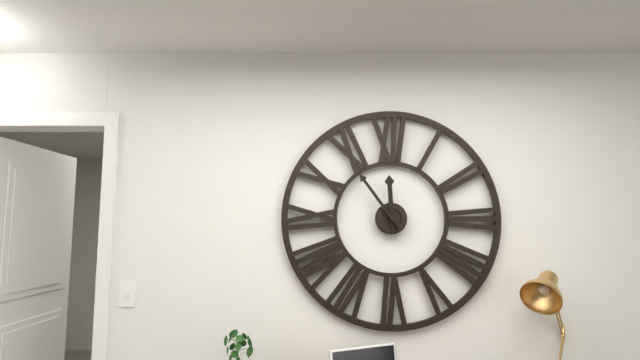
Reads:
h=11 m=54
